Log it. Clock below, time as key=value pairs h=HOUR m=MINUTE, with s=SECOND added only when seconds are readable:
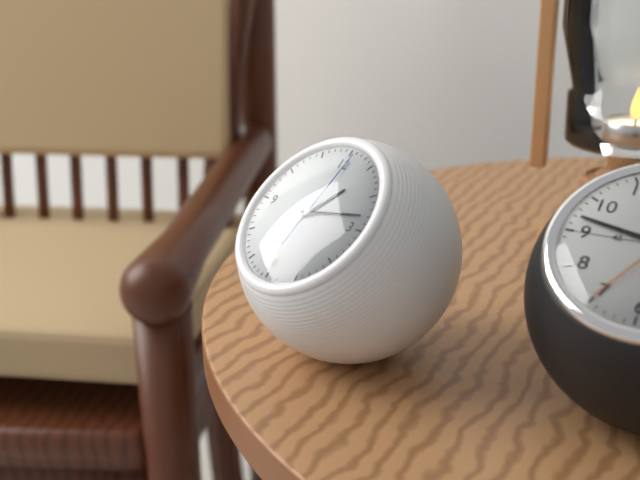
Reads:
h=1 m=13 s=1
